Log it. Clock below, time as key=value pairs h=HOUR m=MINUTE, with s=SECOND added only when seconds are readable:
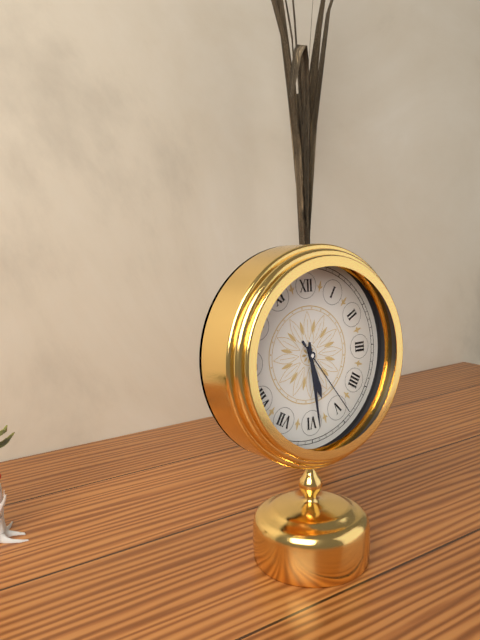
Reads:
h=5 m=29 s=24
